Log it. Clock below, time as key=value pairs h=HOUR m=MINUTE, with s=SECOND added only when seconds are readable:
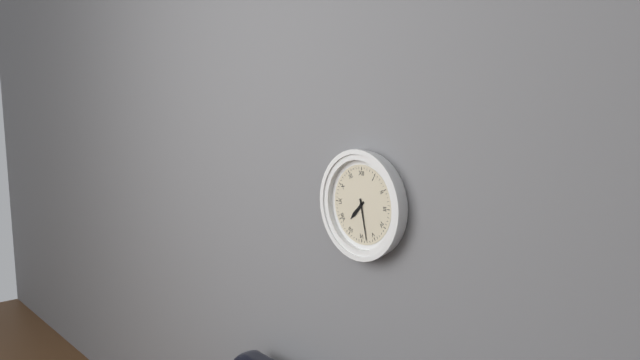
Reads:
h=7 m=28
